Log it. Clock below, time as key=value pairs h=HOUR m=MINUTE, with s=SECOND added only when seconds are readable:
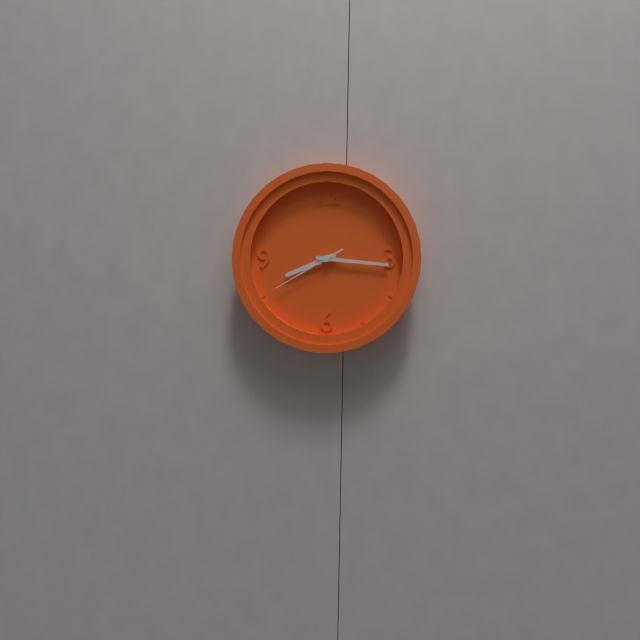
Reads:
h=8 m=16 s=40
